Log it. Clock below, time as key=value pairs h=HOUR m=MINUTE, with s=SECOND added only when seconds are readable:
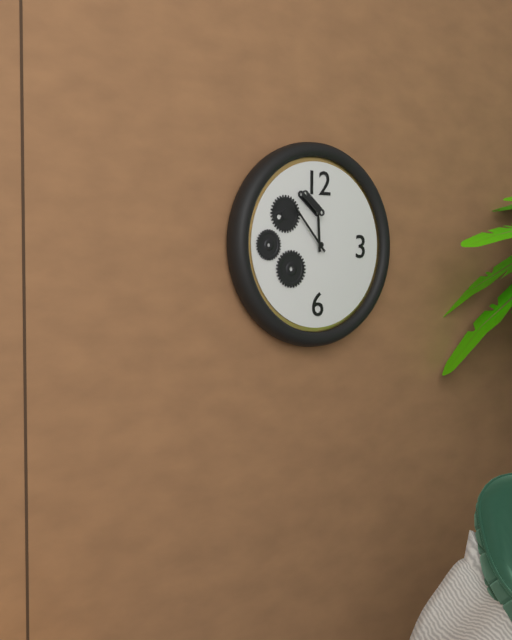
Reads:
h=11 m=53
